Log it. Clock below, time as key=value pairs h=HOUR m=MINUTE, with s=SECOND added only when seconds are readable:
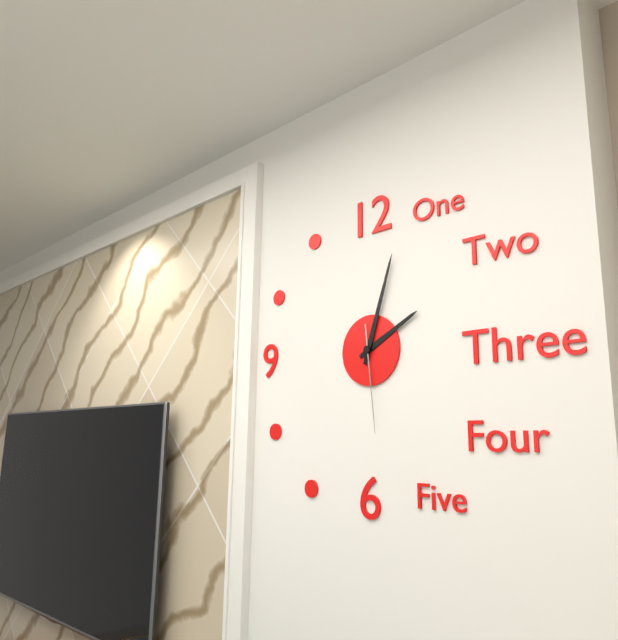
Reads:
h=2 m=3 s=29
